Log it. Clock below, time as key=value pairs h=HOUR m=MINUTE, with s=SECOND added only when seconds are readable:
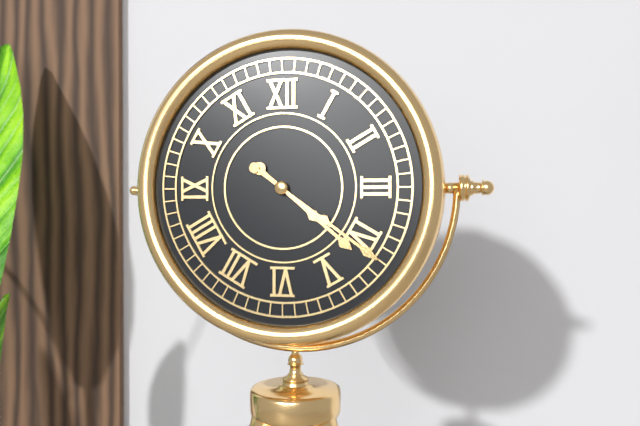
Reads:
h=4 m=21
